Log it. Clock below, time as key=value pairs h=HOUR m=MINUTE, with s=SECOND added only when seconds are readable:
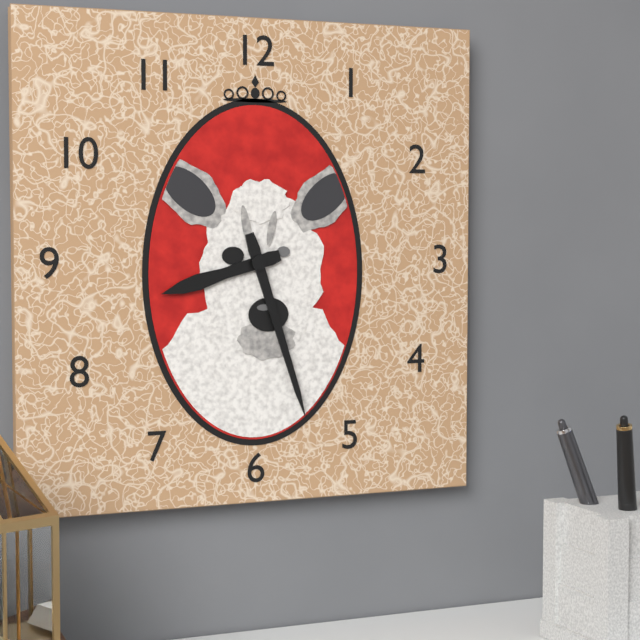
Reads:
h=8 m=27
